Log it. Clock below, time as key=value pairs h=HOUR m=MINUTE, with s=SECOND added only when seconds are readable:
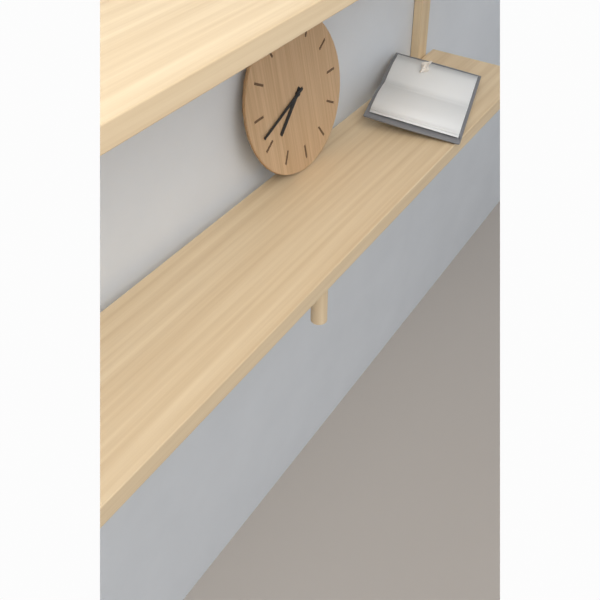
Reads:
h=7 m=42
